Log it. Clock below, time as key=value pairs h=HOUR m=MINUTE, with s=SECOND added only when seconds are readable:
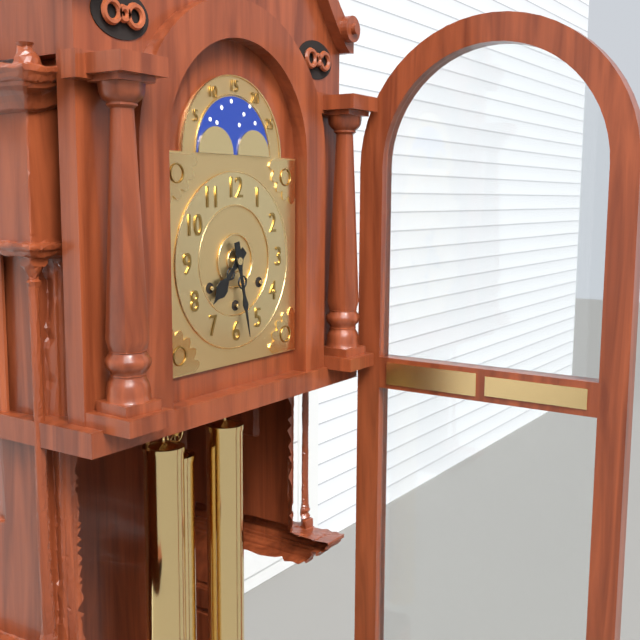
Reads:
h=7 m=28
